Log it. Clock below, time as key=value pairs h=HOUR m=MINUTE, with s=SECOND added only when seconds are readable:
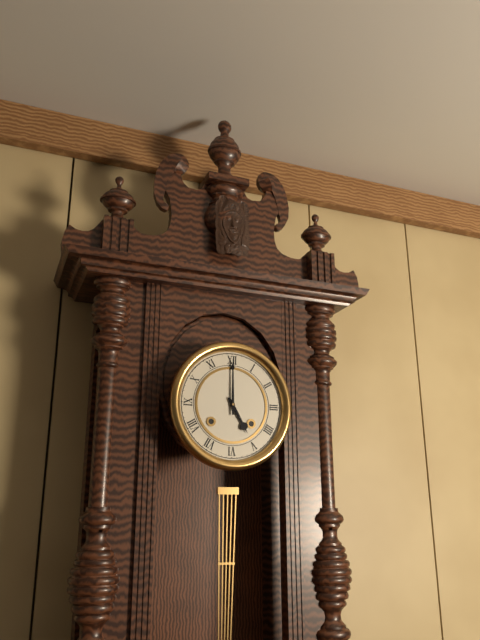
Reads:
h=5 m=0
